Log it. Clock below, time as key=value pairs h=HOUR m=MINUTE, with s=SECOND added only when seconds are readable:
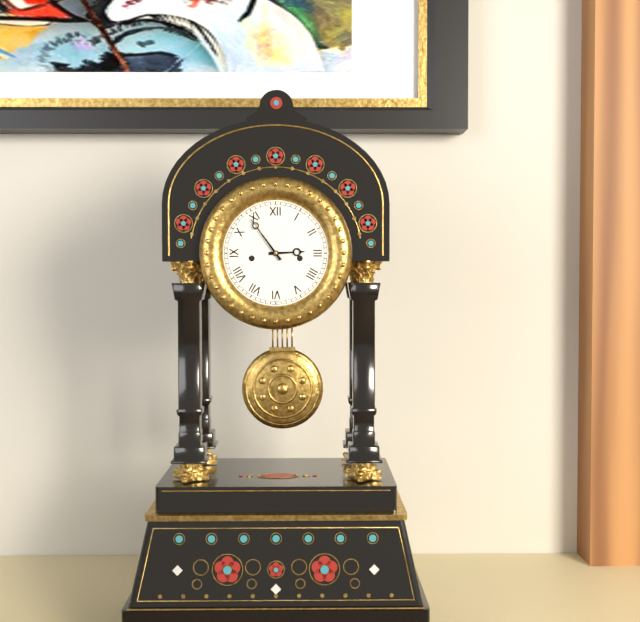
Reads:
h=2 m=54
